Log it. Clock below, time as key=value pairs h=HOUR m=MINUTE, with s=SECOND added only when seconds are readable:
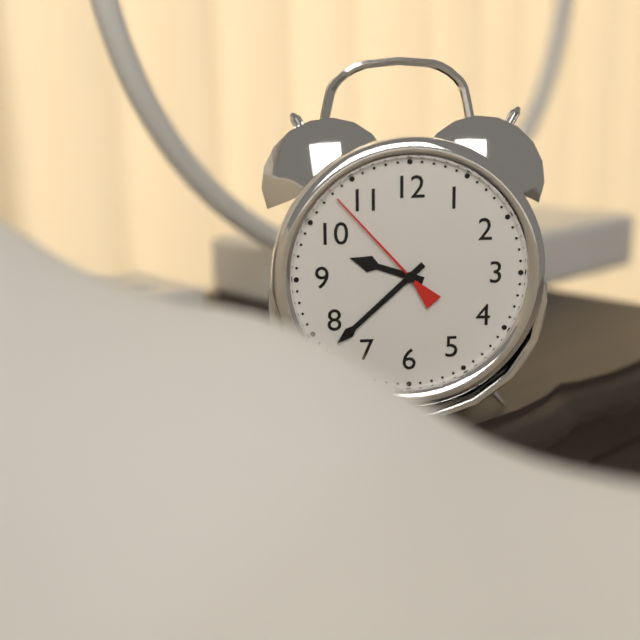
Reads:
h=9 m=38 s=53
